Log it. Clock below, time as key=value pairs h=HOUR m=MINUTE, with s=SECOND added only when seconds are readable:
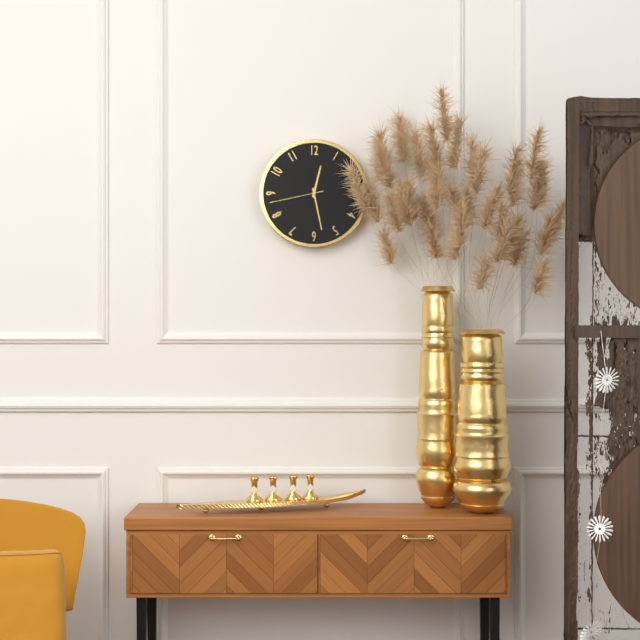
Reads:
h=12 m=28 s=43
